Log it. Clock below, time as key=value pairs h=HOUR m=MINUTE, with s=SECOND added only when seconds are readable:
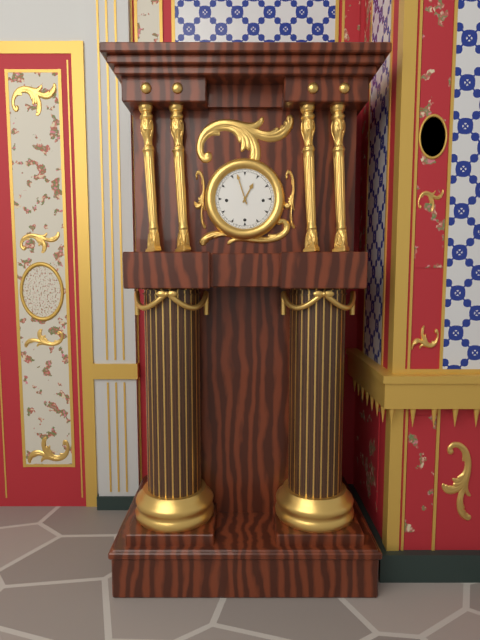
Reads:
h=12 m=57
